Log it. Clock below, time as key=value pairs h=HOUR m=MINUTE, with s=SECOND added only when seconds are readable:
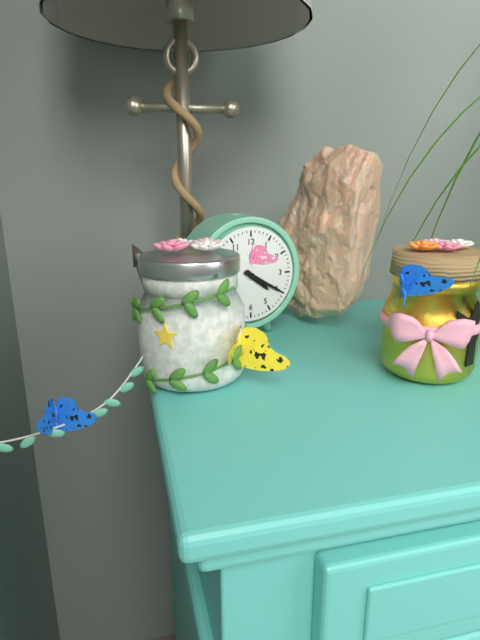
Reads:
h=4 m=20
